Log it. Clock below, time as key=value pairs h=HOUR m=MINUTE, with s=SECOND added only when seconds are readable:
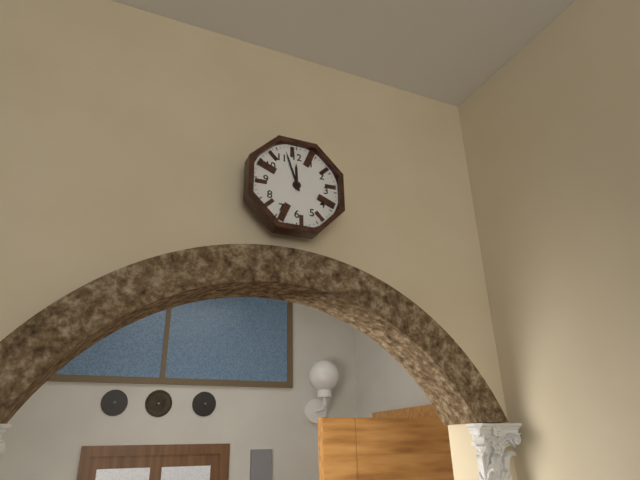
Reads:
h=11 m=57
